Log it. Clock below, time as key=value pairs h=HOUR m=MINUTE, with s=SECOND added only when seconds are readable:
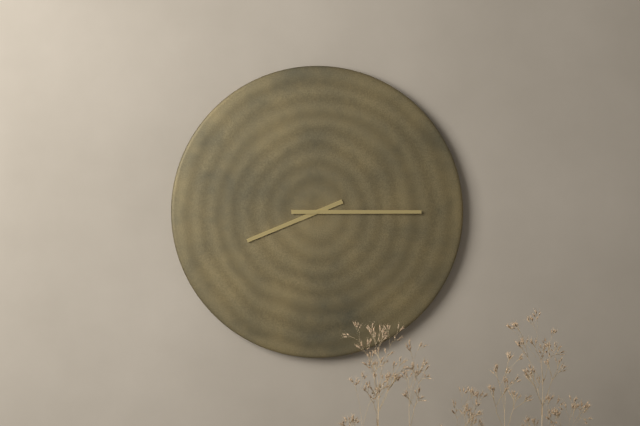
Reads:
h=8 m=15
